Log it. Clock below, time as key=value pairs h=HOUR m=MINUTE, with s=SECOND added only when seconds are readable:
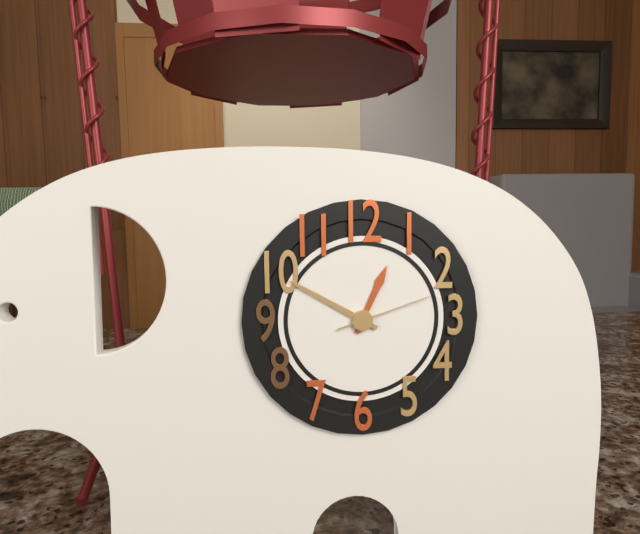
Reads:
h=12 m=50 s=12
